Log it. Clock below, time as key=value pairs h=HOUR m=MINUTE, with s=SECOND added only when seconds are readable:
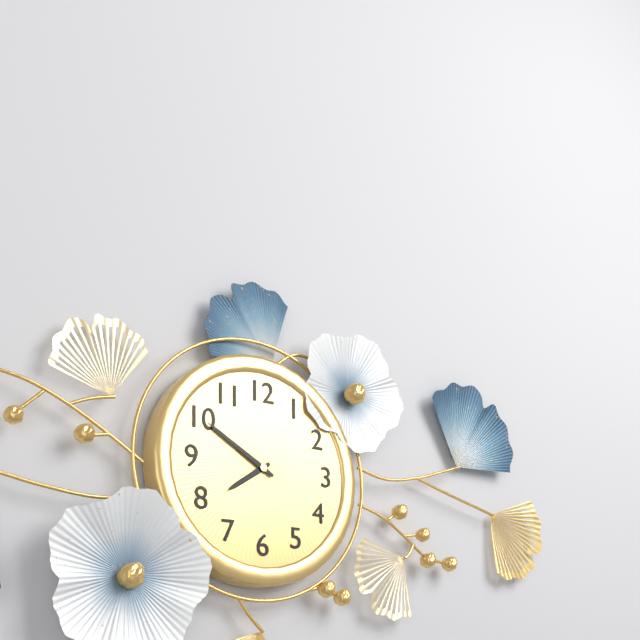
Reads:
h=7 m=50
